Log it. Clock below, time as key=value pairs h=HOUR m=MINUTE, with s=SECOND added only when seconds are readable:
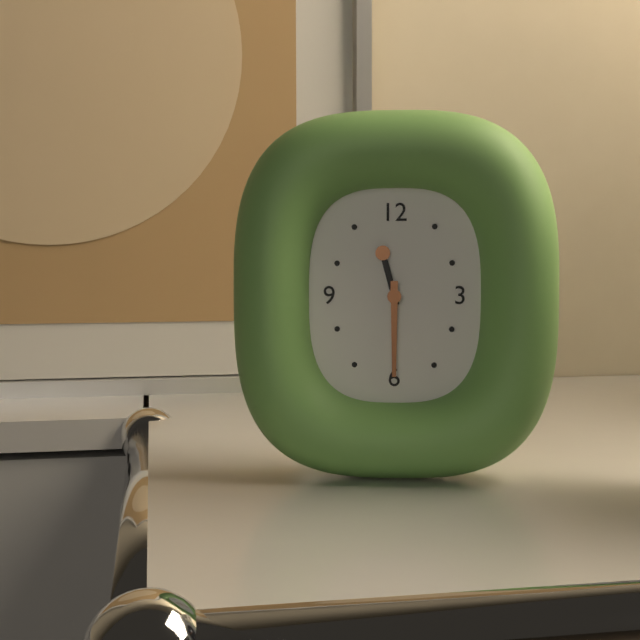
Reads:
h=11 m=30
